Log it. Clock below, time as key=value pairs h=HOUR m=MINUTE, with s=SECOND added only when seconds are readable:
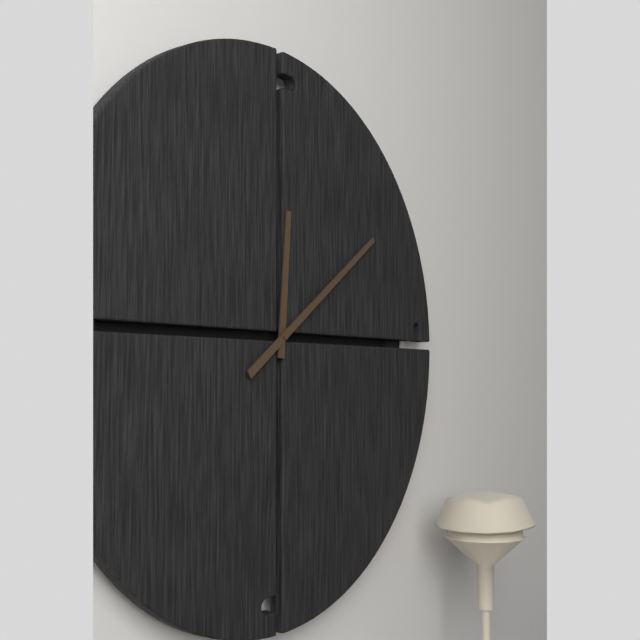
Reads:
h=12 m=9
